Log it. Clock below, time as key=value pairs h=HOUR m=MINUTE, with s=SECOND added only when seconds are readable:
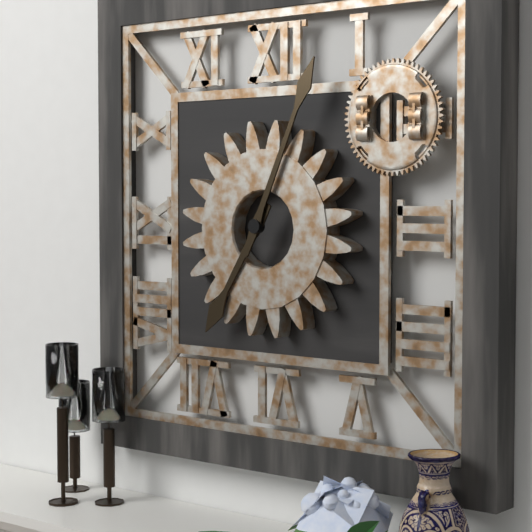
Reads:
h=7 m=4
